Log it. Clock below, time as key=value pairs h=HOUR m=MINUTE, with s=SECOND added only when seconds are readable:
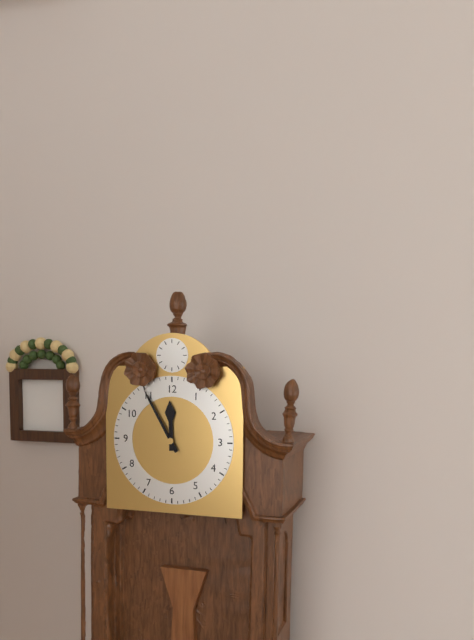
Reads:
h=11 m=55
